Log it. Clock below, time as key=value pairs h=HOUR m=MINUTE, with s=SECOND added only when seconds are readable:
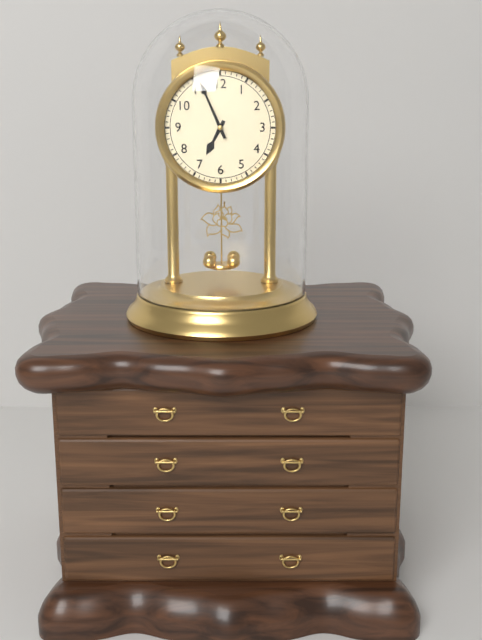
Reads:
h=6 m=56
